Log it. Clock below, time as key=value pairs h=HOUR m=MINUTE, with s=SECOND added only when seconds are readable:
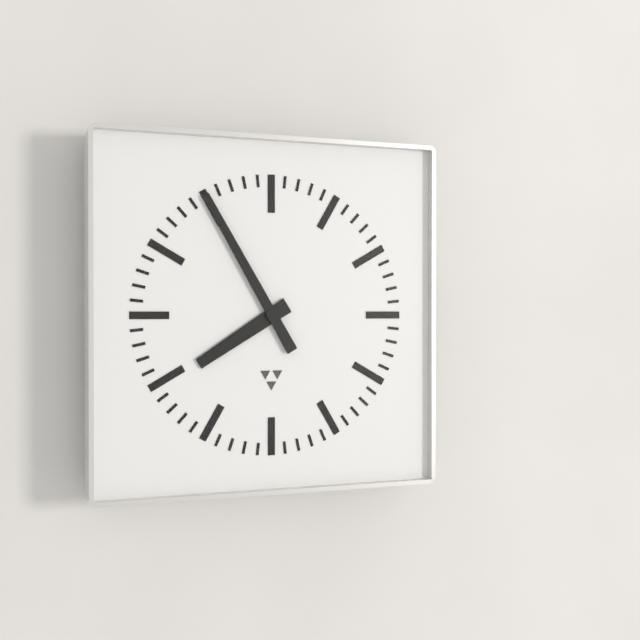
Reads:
h=7 m=55
